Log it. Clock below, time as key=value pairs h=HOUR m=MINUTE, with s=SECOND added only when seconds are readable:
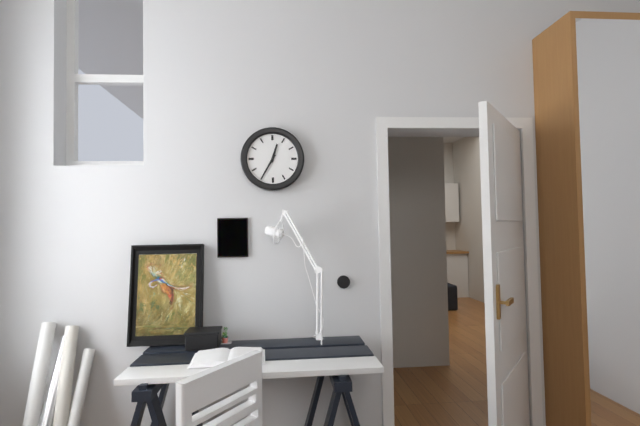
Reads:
h=12 m=35
